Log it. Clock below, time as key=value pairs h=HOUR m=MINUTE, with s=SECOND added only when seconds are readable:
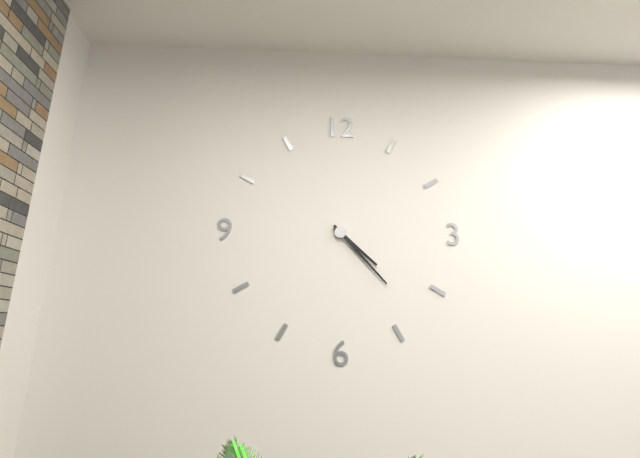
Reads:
h=4 m=23
